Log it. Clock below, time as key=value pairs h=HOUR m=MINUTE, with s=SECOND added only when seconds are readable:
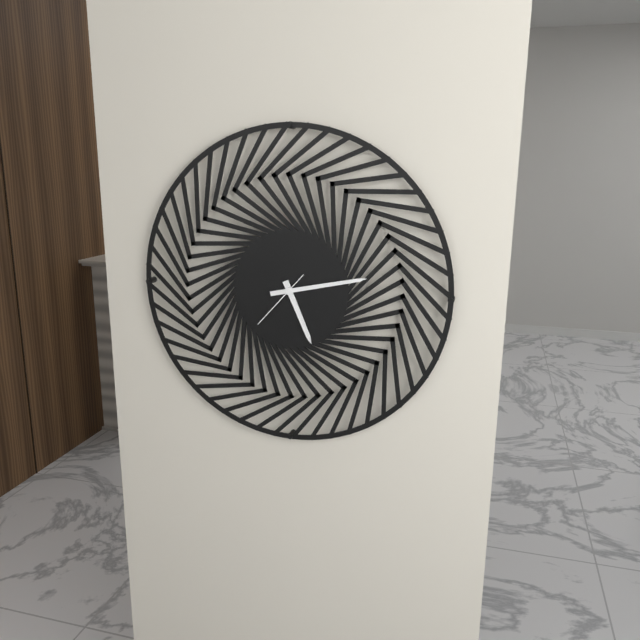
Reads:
h=5 m=13 s=37
